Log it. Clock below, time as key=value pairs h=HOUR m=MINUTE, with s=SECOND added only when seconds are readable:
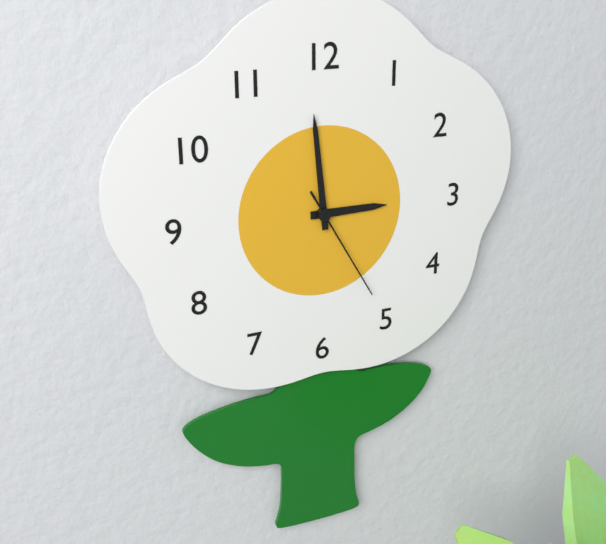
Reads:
h=2 m=59 s=25
